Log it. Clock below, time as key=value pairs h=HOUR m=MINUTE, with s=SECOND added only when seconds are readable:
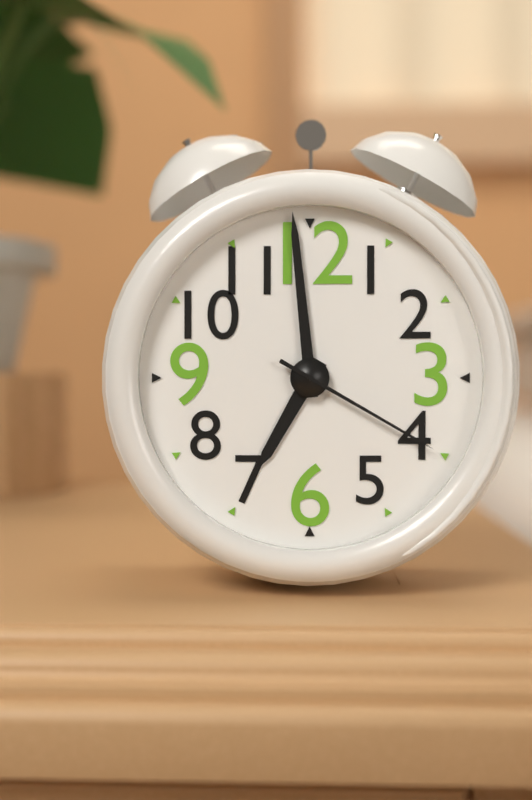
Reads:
h=6 m=59 s=20
